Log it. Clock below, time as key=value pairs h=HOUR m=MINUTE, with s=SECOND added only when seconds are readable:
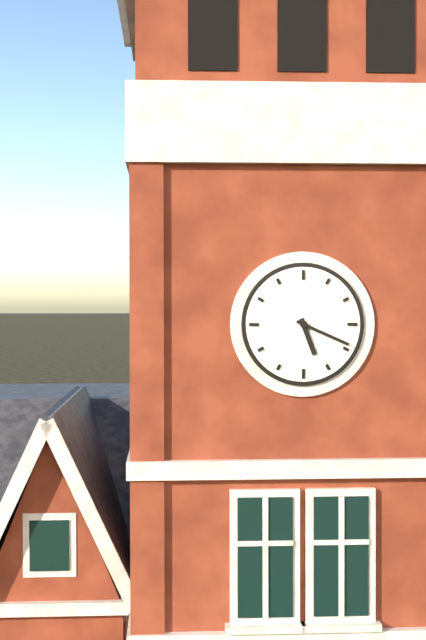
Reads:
h=5 m=19
